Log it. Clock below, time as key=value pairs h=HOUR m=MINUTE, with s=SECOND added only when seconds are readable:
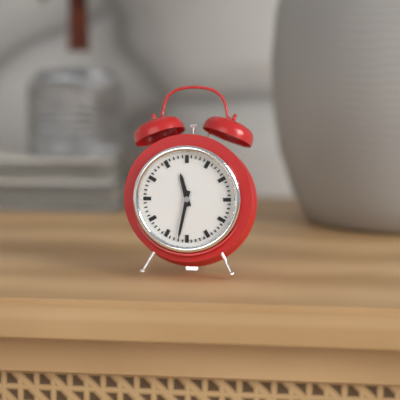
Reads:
h=11 m=32
